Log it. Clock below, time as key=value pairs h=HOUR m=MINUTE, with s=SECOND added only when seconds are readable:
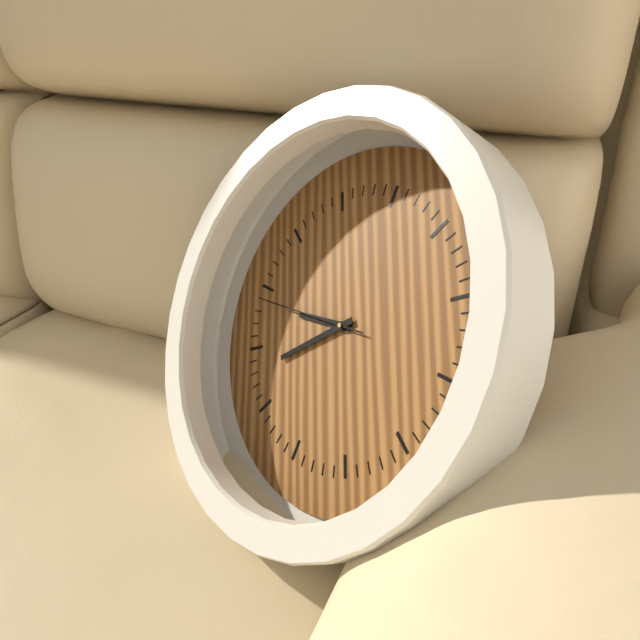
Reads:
h=9 m=43 s=49
